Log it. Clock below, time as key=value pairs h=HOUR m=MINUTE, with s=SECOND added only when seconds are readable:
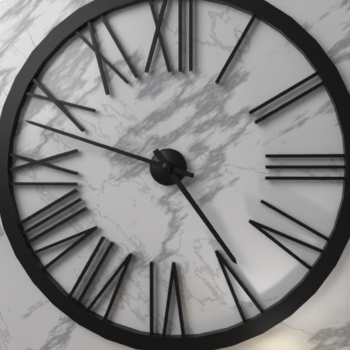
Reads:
h=4 m=48
